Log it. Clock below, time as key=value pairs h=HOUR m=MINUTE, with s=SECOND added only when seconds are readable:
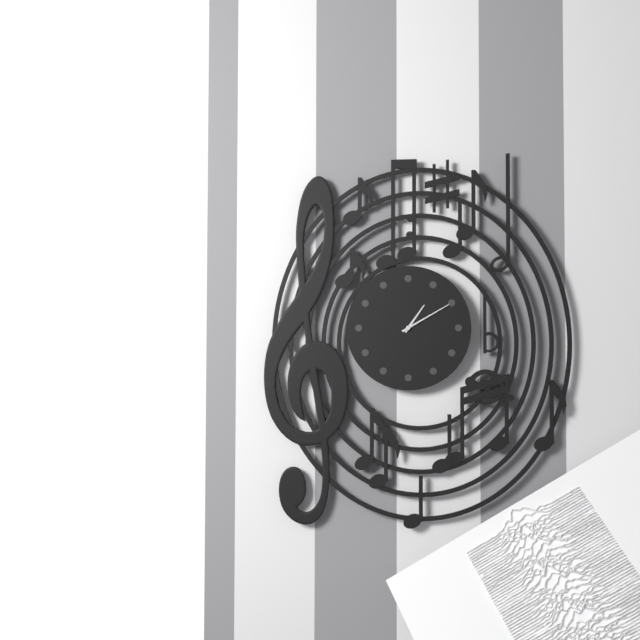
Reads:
h=1 m=10
